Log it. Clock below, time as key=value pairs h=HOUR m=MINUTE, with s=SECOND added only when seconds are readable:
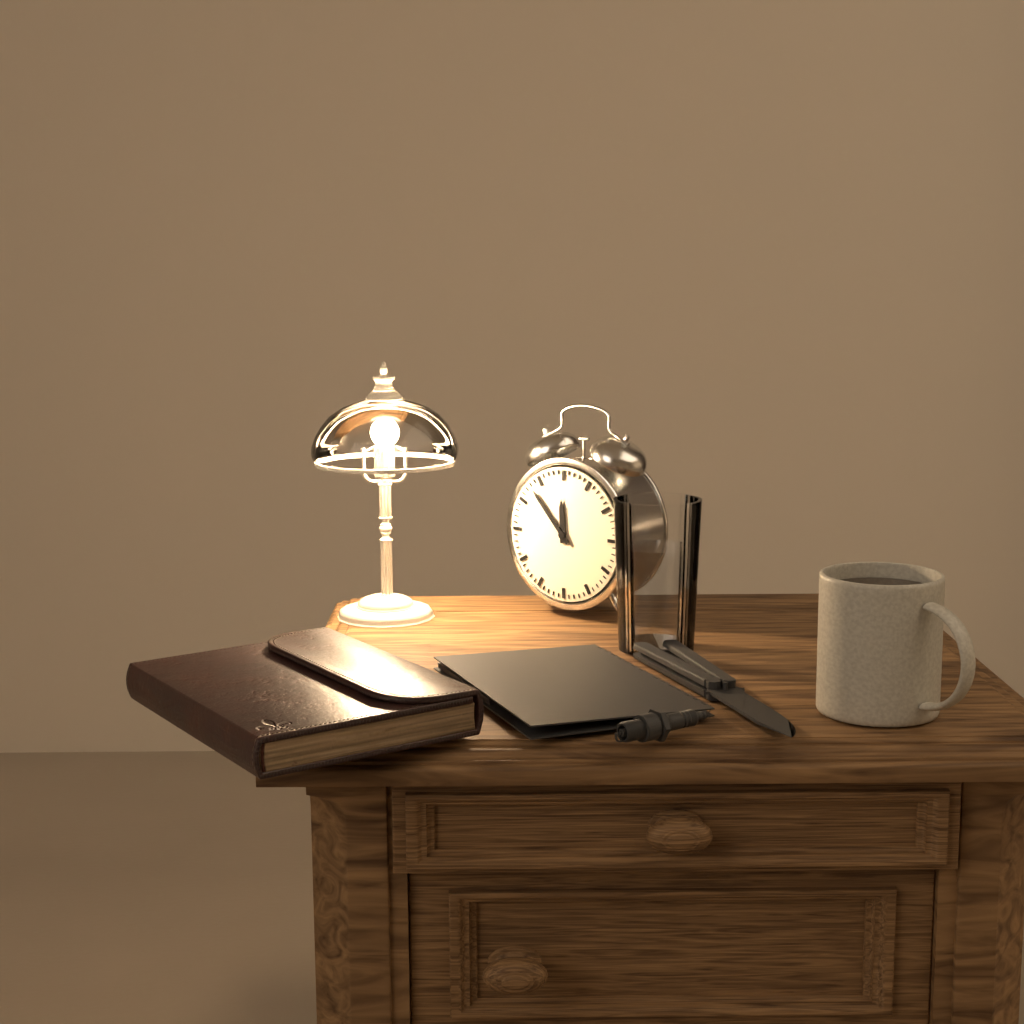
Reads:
h=11 m=53
